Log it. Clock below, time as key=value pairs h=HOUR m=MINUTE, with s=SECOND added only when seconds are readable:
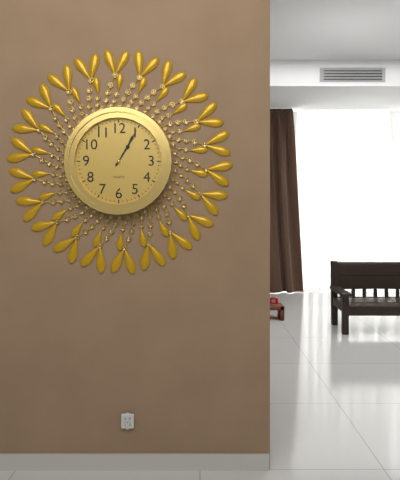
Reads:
h=1 m=5
